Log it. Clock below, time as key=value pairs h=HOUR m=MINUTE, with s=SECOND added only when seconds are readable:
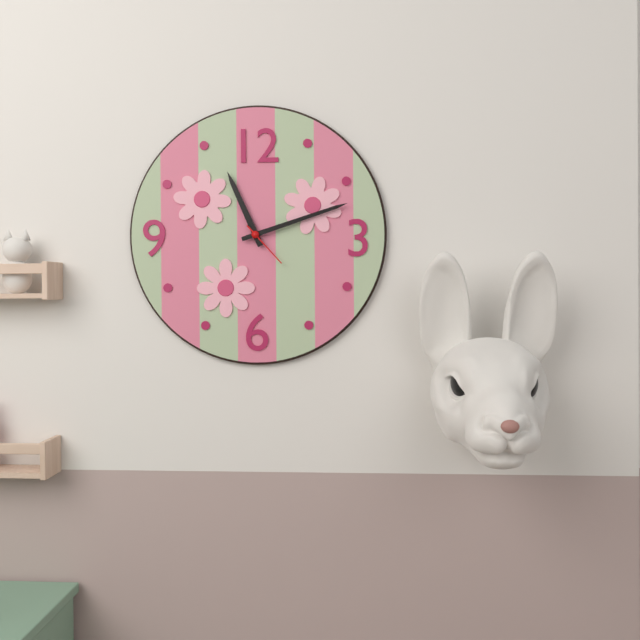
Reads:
h=11 m=12
